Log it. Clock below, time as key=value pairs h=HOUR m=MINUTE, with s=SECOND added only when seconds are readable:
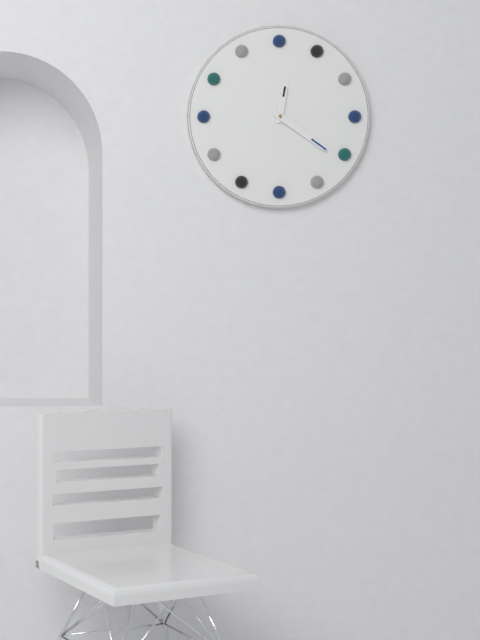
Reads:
h=12 m=21
